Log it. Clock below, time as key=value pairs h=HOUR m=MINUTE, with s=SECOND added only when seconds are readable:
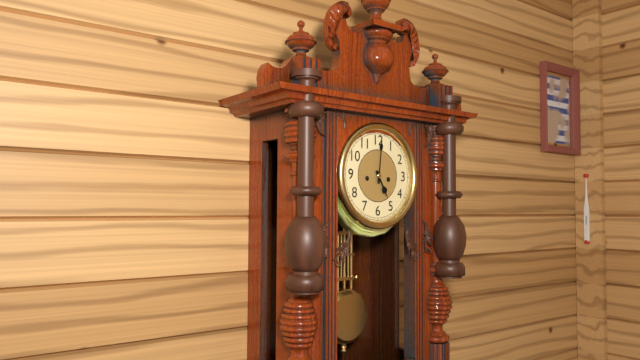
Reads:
h=5 m=1
